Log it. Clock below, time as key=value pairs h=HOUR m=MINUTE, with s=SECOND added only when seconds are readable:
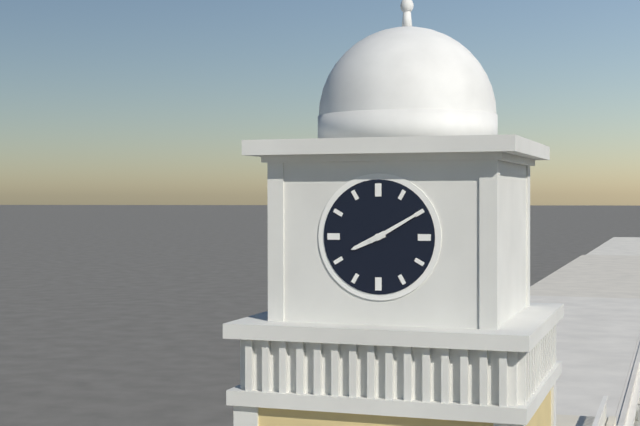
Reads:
h=8 m=10
